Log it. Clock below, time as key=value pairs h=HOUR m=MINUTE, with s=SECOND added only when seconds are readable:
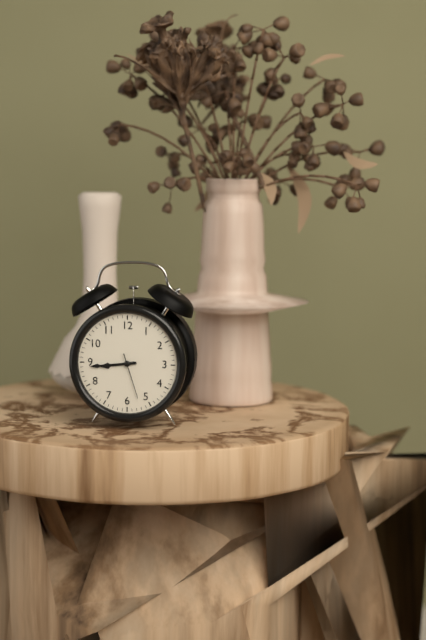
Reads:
h=8 m=44
